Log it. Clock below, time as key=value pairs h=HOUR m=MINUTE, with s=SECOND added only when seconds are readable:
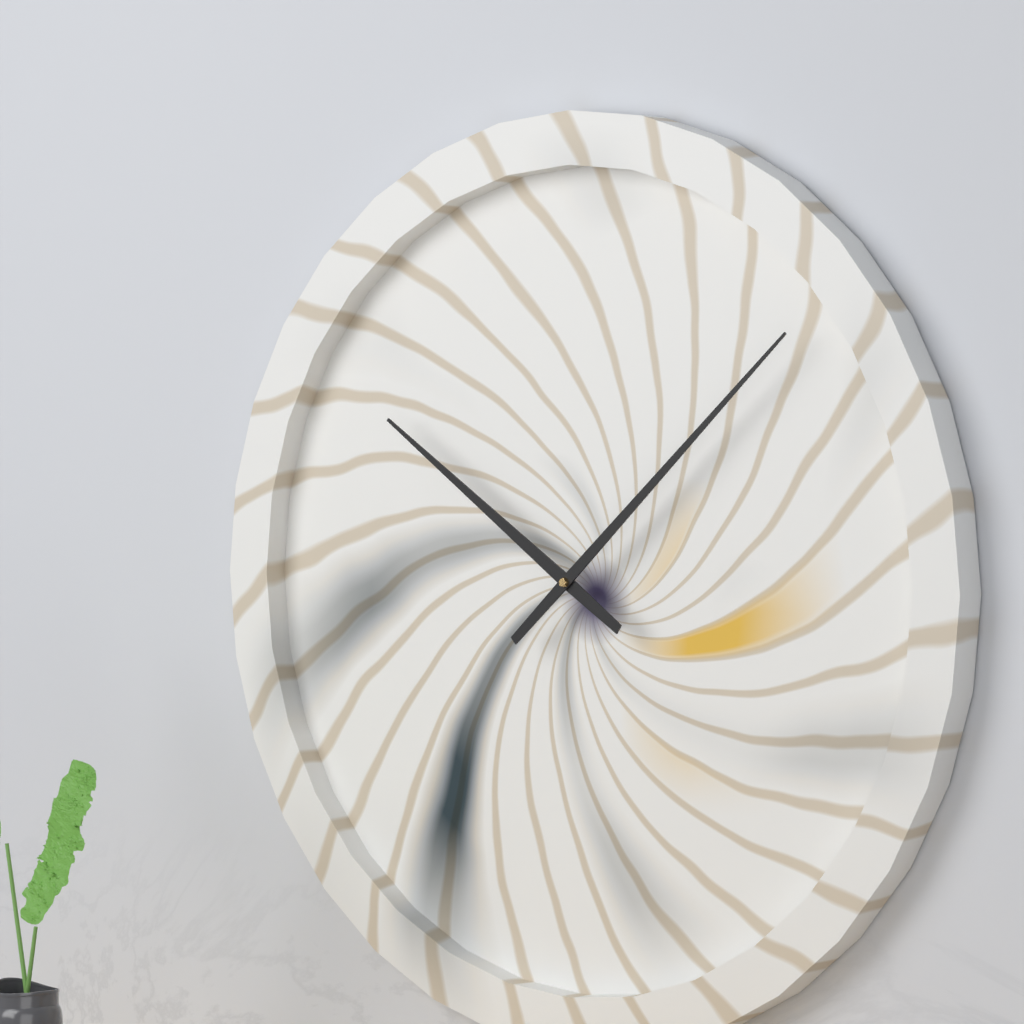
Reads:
h=10 m=8
